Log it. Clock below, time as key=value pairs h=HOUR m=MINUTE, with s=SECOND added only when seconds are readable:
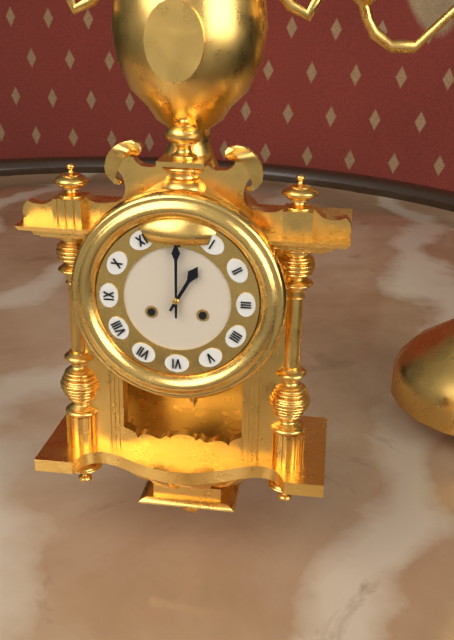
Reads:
h=1 m=0
